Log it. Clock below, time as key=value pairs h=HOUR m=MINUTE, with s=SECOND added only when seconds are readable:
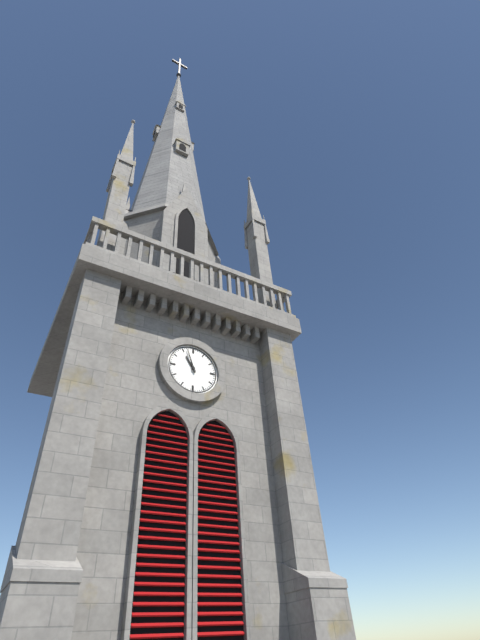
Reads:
h=10 m=57
